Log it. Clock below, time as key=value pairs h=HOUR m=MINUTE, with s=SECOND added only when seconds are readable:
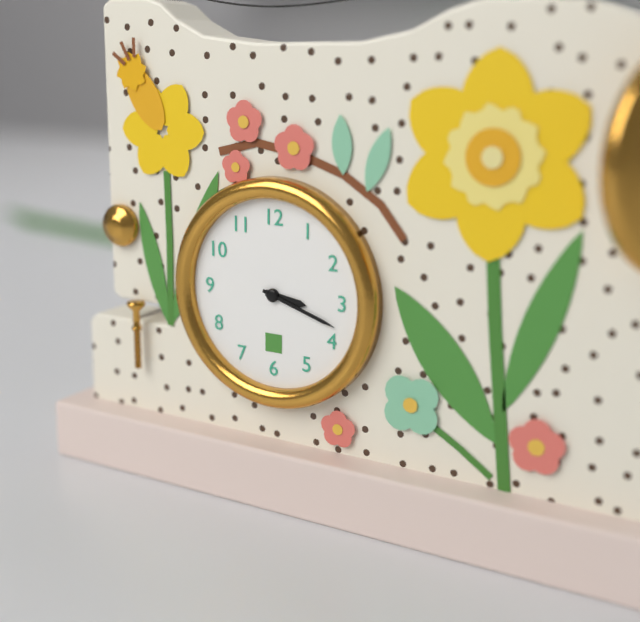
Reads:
h=3 m=18
